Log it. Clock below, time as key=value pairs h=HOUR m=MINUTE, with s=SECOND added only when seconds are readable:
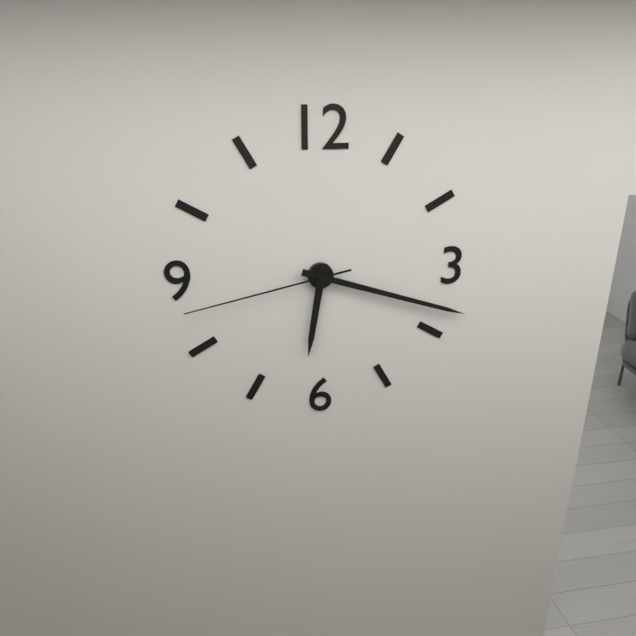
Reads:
h=6 m=18 s=43
